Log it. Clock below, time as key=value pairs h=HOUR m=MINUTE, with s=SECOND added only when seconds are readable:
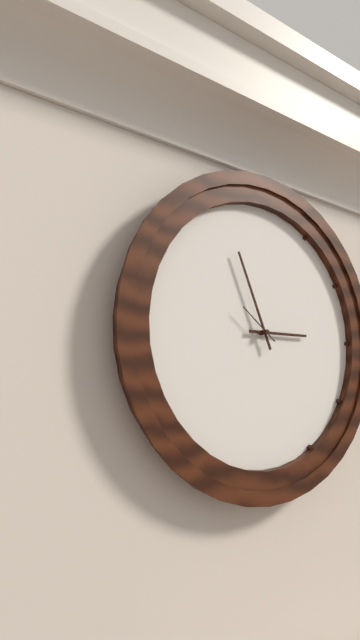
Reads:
h=2 m=56
